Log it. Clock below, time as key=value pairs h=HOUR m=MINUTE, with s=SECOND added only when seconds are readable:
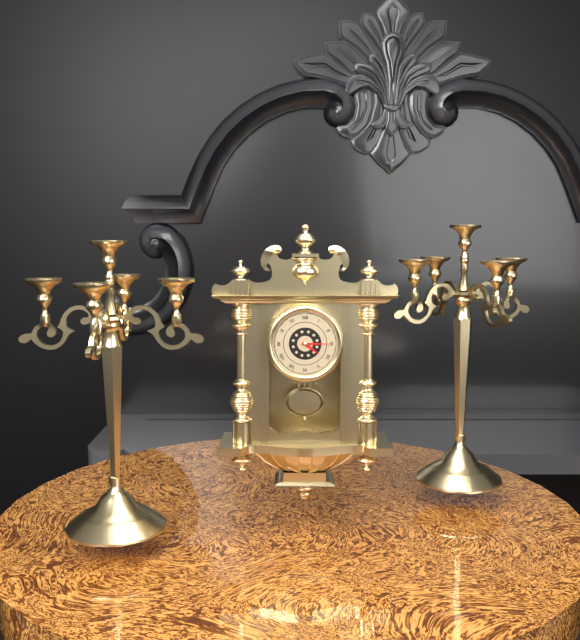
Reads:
h=4 m=15
